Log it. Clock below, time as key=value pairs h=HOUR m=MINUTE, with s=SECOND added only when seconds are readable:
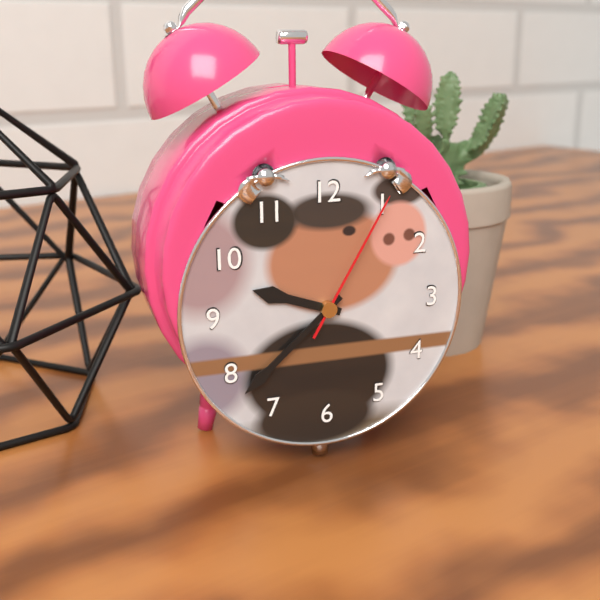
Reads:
h=9 m=38 s=5
